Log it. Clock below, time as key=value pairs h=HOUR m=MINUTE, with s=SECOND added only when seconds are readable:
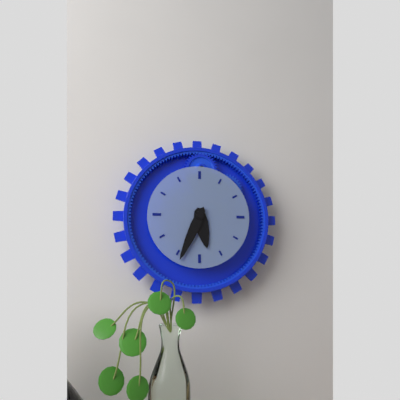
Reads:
h=5 m=34
